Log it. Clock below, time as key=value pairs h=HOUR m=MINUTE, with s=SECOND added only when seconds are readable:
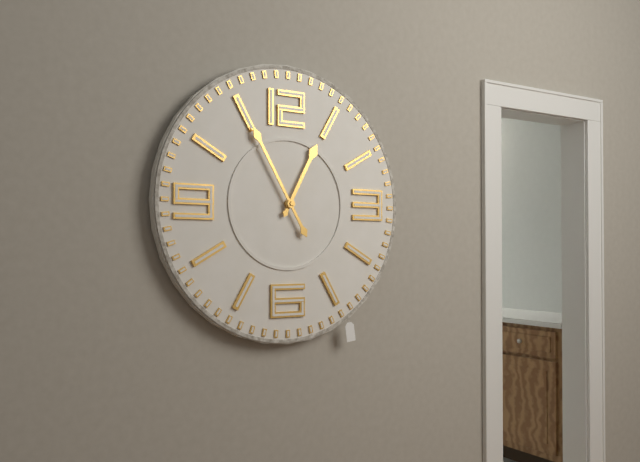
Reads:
h=12 m=55
